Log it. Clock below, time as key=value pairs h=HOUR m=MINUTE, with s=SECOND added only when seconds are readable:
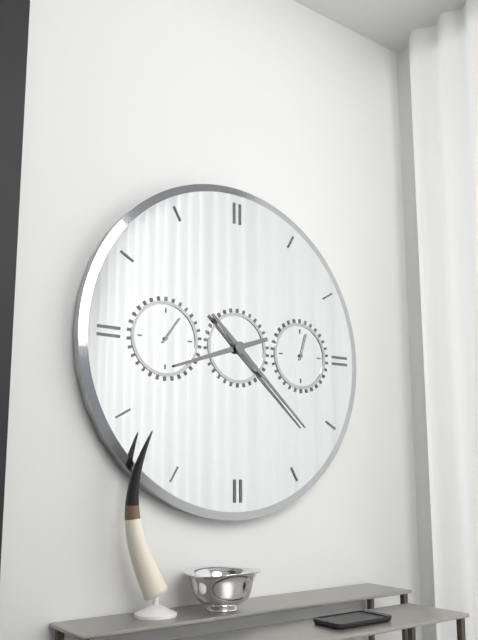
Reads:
h=8 m=22
